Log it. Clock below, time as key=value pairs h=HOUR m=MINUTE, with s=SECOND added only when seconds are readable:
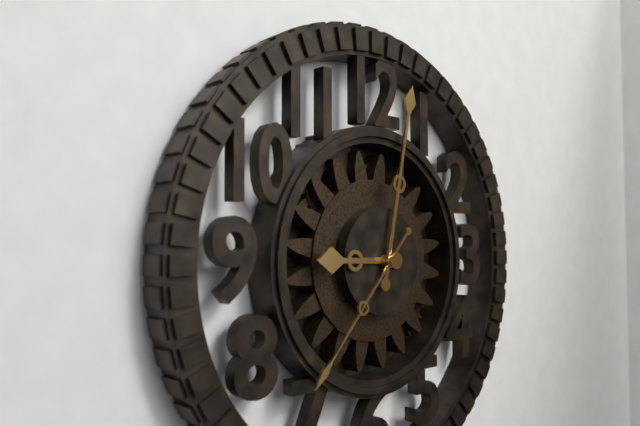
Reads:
h=9 m=2 s=37
